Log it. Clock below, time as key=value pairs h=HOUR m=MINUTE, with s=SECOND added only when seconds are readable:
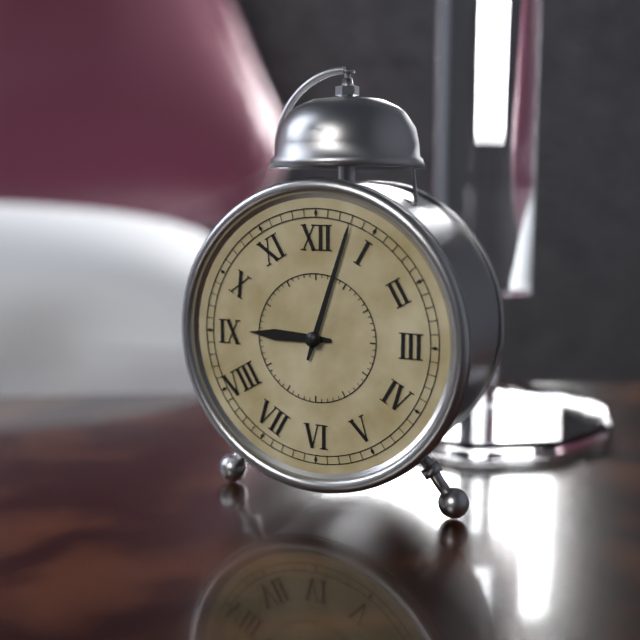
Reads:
h=9 m=3
